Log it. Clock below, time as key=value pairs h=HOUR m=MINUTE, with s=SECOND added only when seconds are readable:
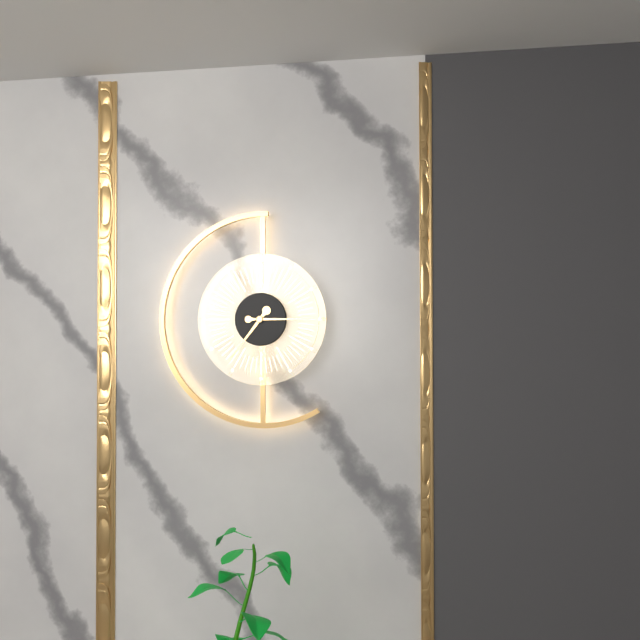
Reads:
h=7 m=15
